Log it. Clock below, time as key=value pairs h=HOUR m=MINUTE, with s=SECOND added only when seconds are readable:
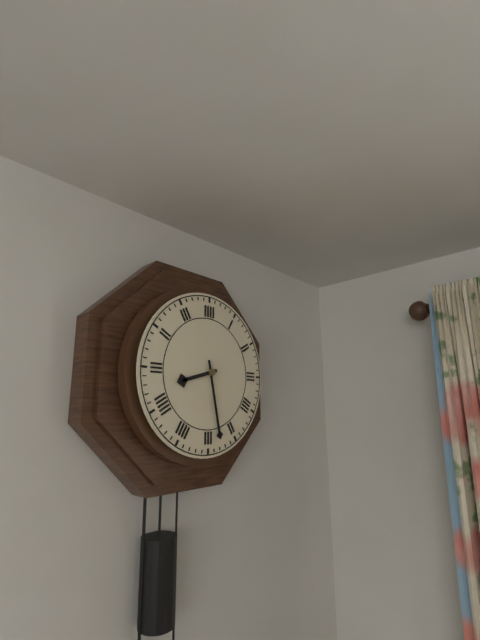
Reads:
h=8 m=28
